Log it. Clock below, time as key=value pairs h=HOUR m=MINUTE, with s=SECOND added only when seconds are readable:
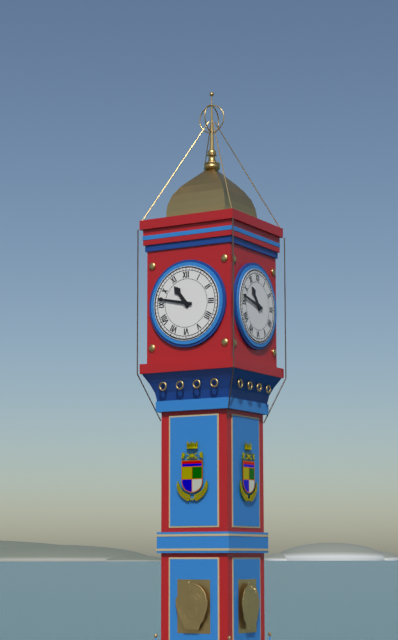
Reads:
h=10 m=47
